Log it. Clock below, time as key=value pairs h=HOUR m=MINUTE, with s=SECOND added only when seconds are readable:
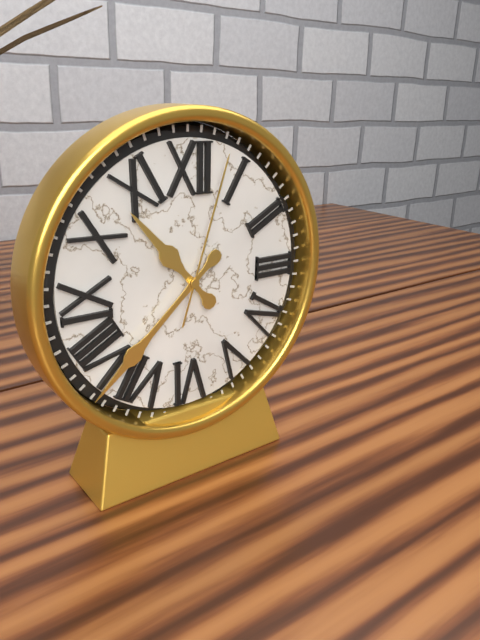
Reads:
h=10 m=38 s=3
